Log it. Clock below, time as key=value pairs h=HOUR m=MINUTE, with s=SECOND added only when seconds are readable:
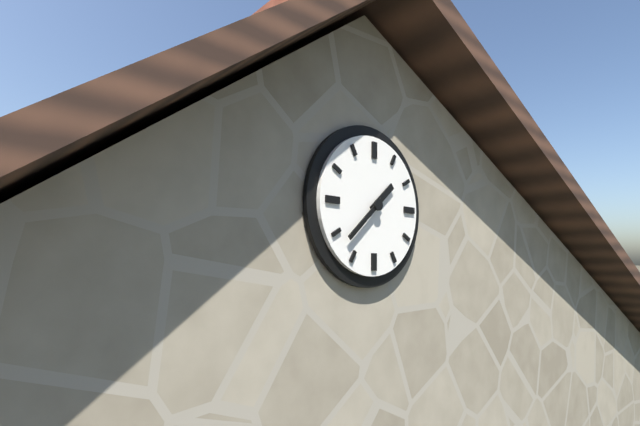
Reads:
h=1 m=38
